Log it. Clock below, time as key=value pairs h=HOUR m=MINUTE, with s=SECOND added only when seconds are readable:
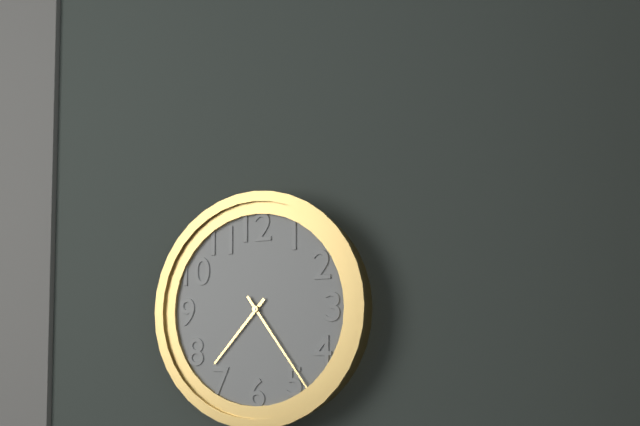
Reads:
h=7 m=24
